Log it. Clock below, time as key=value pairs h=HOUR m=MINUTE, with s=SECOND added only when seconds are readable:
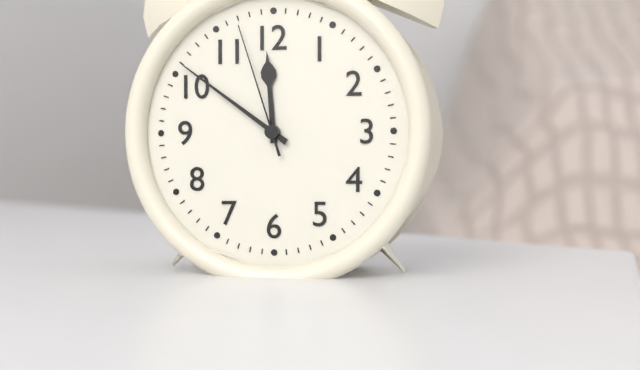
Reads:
h=11 m=51 s=57
